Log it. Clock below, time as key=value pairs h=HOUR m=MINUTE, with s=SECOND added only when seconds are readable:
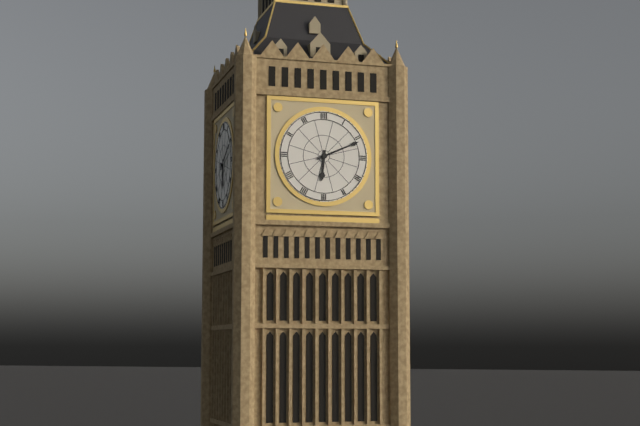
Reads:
h=6 m=11
